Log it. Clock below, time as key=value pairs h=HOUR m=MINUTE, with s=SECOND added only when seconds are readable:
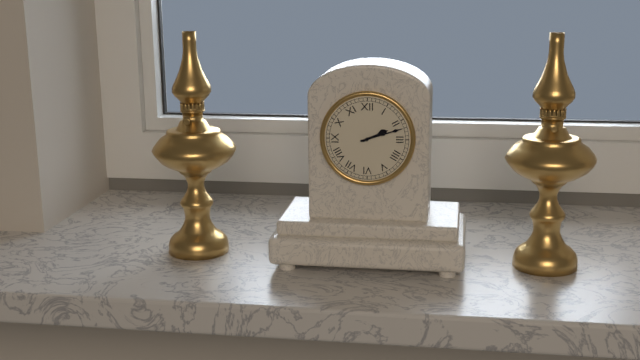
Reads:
h=2 m=12
